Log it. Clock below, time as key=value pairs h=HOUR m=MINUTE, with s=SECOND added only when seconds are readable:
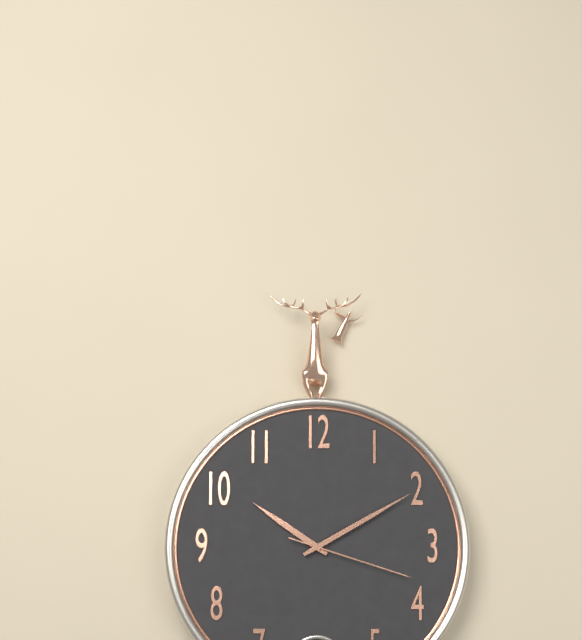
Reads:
h=10 m=10 s=18
